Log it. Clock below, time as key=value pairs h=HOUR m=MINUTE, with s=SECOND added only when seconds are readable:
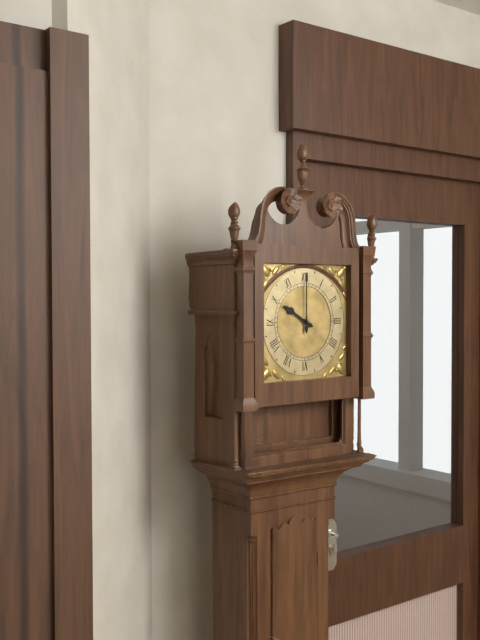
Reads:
h=10 m=0
